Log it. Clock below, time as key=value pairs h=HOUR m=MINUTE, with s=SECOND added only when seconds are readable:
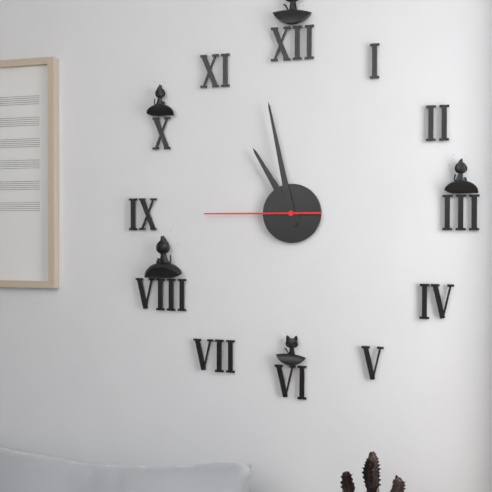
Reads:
h=10 m=58 s=45
